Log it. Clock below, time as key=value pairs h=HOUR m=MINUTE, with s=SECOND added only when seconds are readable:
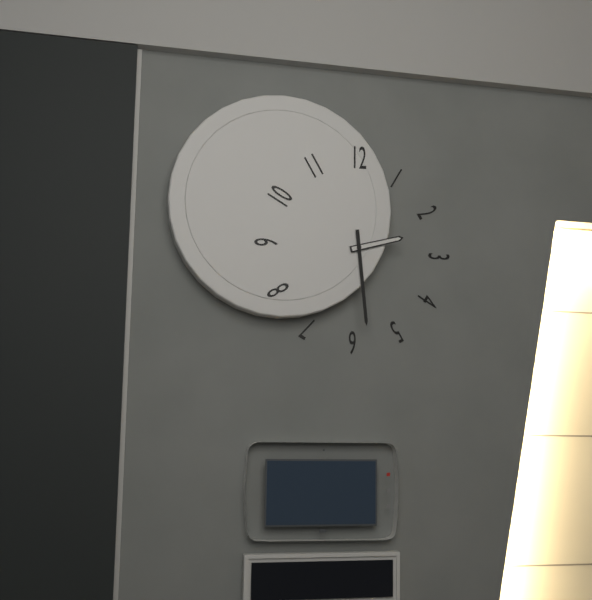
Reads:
h=2 m=29
